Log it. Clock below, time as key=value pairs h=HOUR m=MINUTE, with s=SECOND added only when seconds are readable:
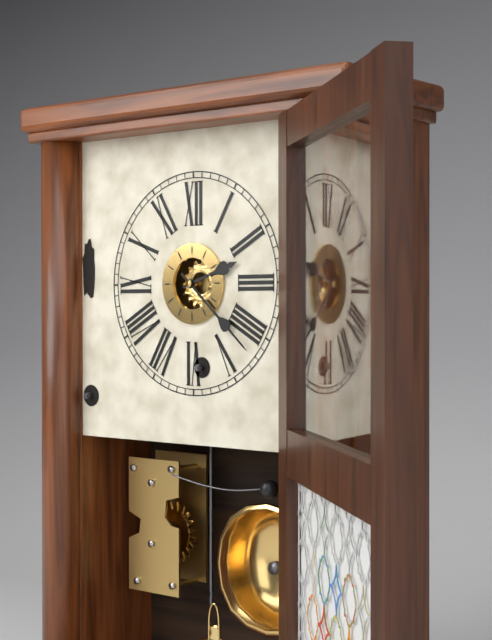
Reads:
h=2 m=22
